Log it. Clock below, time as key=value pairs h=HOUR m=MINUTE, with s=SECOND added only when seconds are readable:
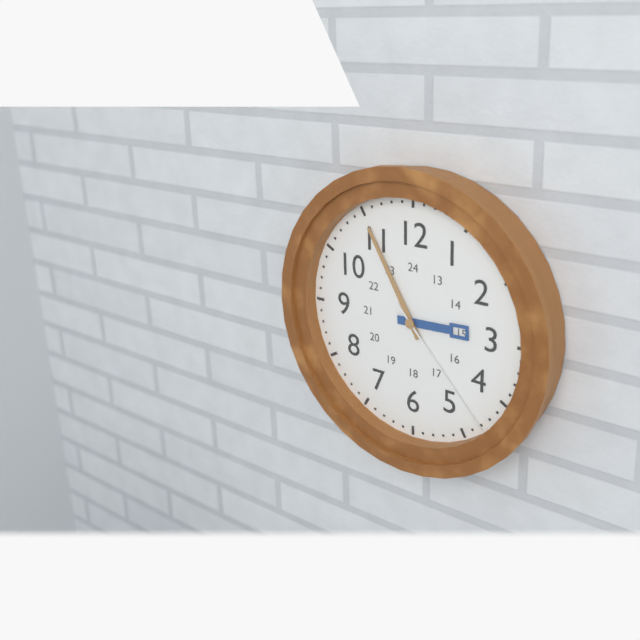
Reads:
h=2 m=55 s=23
